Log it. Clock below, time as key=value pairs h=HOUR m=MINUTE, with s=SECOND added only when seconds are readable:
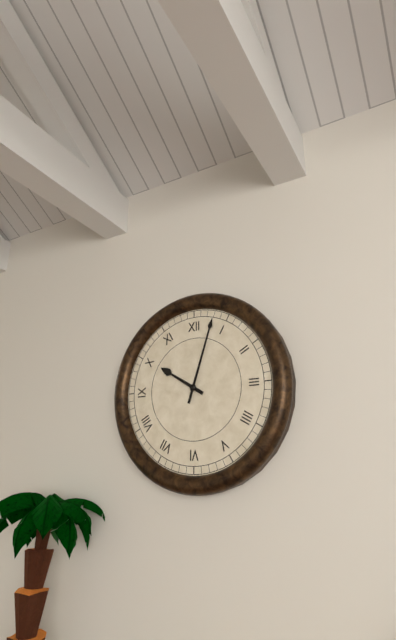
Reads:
h=10 m=3
